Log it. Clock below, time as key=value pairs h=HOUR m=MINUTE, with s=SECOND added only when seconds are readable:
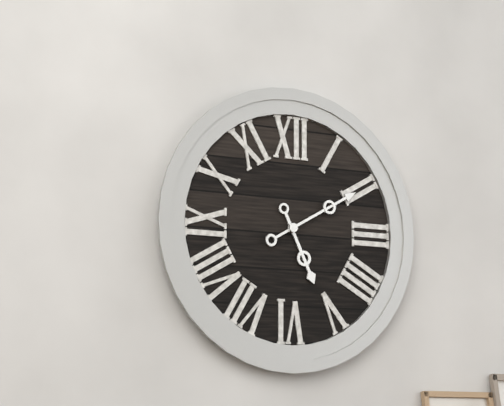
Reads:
h=5 m=10
